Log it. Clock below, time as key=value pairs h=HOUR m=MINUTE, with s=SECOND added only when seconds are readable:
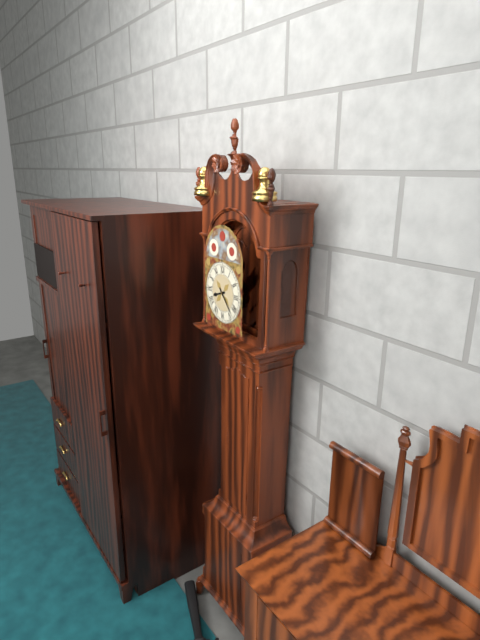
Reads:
h=8 m=23
